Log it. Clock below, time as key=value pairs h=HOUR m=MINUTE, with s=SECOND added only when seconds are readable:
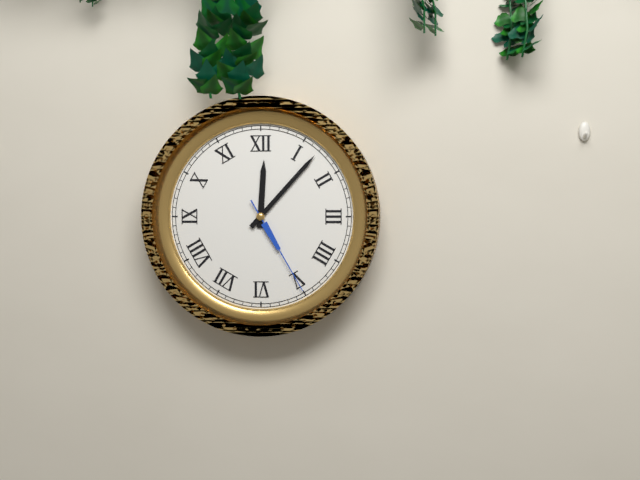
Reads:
h=12 m=7 s=25
